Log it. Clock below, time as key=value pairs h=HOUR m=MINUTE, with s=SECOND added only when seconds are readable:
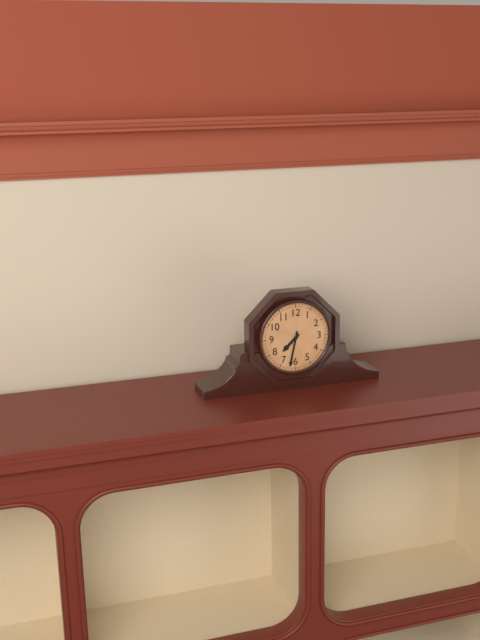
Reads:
h=7 m=32
